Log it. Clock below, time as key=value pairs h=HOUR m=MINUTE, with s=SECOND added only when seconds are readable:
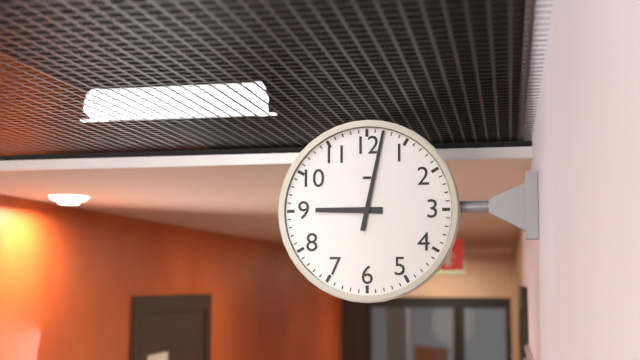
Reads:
h=9 m=2
